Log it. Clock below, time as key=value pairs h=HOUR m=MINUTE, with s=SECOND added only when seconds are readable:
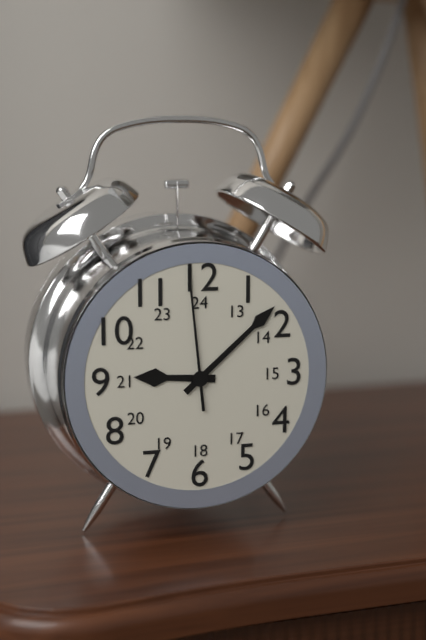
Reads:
h=9 m=8 s=59
